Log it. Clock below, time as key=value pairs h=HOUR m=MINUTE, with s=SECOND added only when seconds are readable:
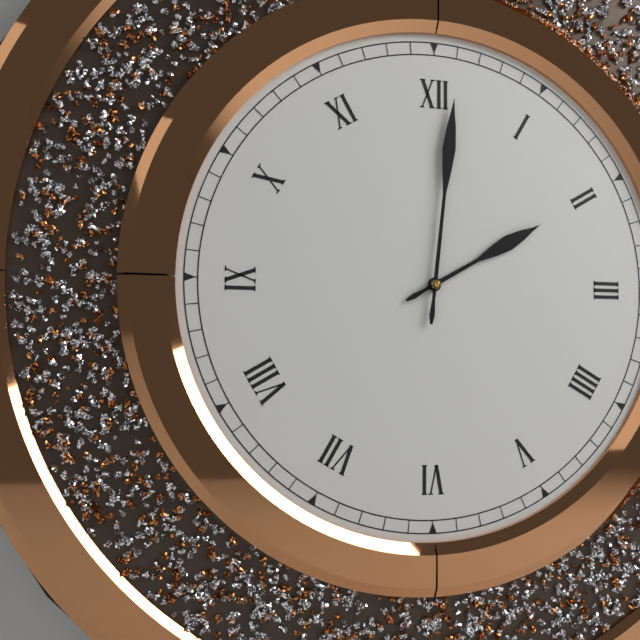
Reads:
h=2 m=1
